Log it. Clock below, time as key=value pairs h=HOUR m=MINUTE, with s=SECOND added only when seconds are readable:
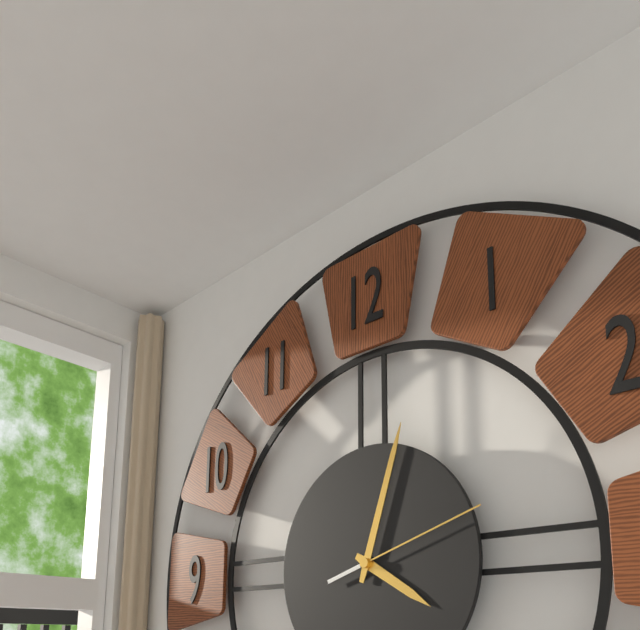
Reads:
h=4 m=3 s=12
